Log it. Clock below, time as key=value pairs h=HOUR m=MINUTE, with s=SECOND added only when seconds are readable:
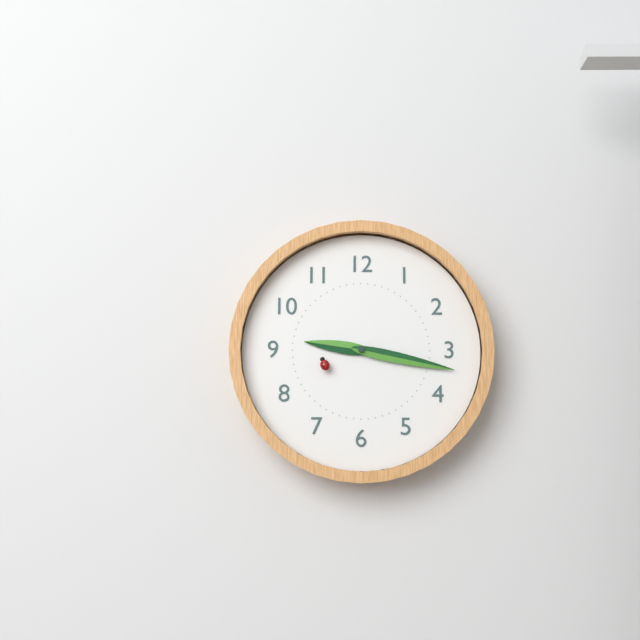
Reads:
h=9 m=17 s=41
